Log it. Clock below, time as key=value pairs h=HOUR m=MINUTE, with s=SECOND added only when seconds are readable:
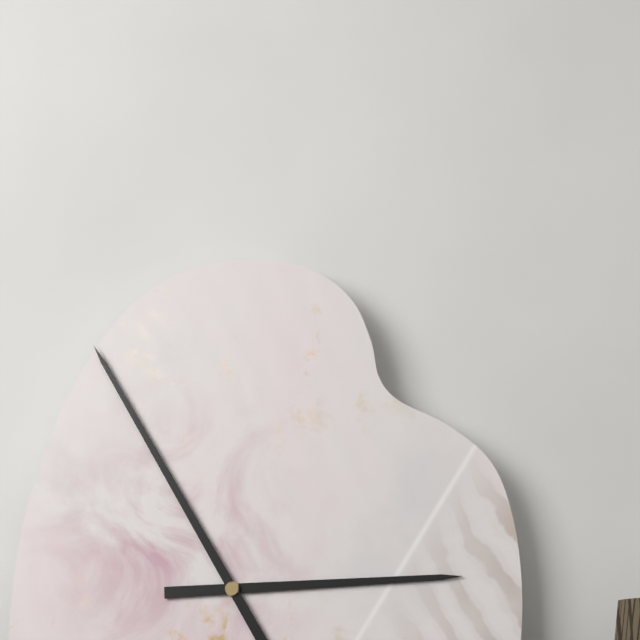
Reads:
h=2 m=55
